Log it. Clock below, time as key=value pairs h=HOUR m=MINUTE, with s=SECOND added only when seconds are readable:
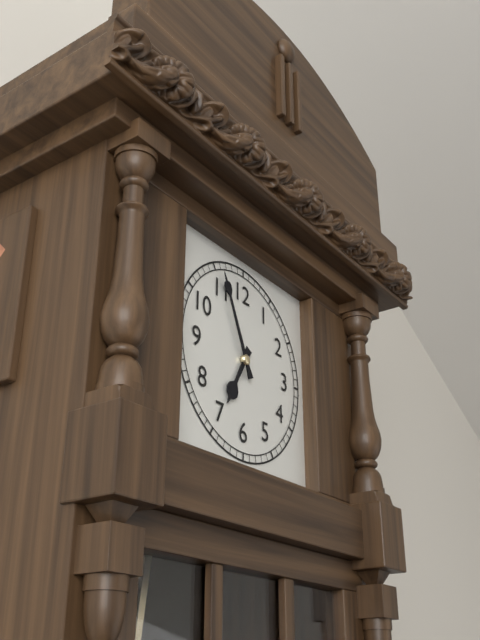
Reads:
h=6 m=56
